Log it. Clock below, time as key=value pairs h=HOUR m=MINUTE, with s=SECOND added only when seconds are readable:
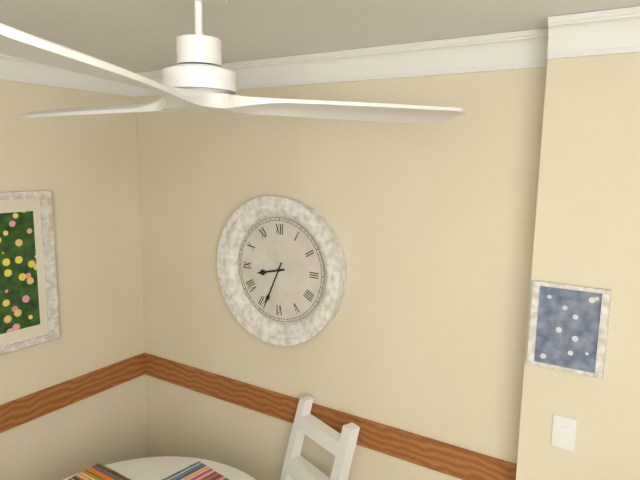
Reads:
h=8 m=34
